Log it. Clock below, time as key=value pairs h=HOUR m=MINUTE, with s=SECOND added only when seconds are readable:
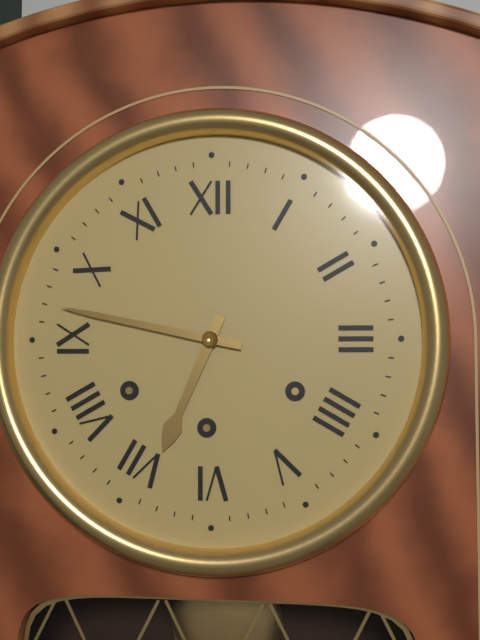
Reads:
h=6 m=47
